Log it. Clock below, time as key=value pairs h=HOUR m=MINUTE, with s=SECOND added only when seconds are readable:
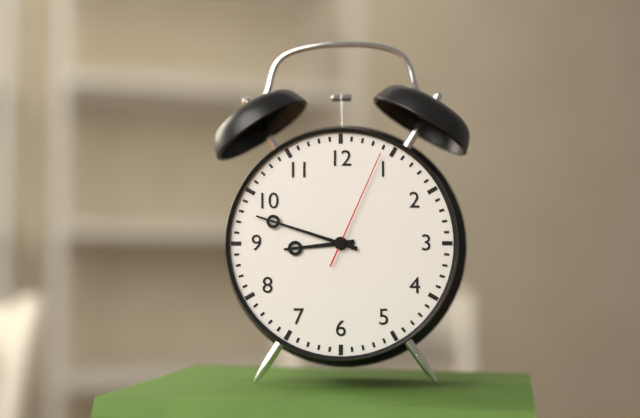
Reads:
h=8 m=48 s=4
